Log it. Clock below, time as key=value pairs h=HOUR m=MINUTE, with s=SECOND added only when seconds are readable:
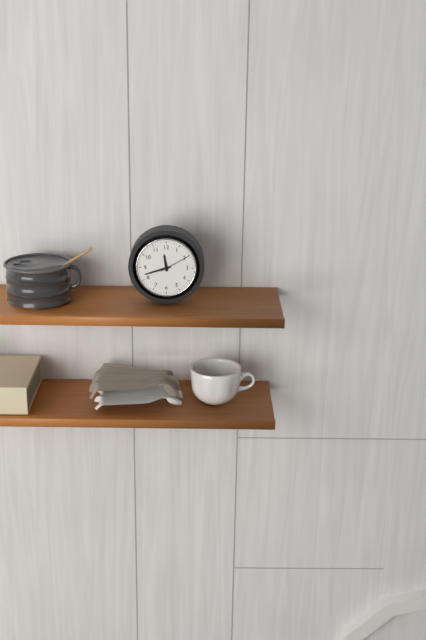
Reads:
h=11 m=42
